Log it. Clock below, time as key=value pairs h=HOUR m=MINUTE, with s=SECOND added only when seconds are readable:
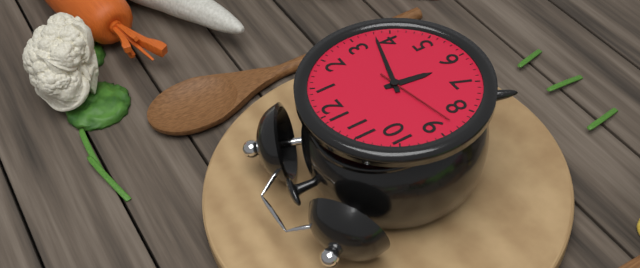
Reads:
h=6 m=18 s=43
